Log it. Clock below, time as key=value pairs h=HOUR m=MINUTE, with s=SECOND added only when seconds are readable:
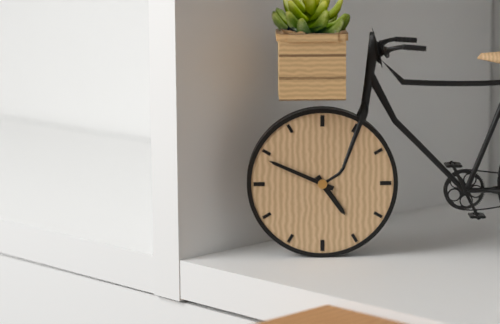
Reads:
h=4 m=49
